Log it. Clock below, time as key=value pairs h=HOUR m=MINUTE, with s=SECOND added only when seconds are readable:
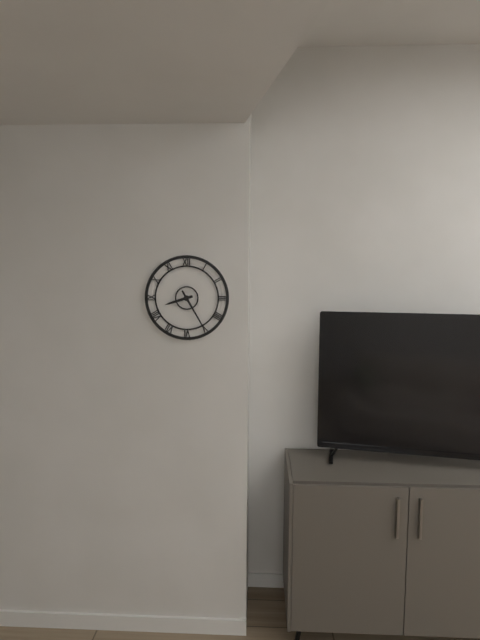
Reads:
h=8 m=25
